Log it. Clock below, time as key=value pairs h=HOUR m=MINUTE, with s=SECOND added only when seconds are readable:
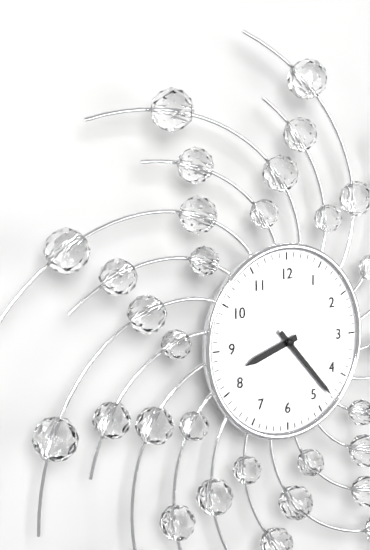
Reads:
h=8 m=23
